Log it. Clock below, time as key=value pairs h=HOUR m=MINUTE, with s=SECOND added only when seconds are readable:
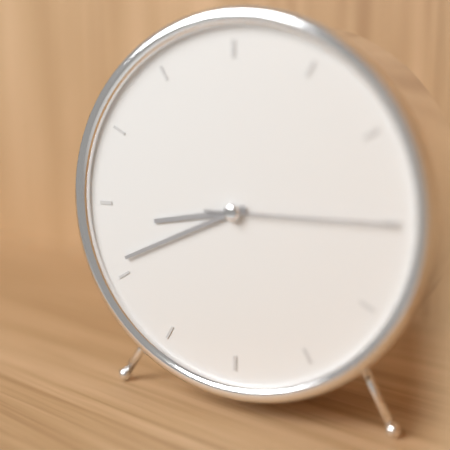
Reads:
h=8 m=41 s=15
